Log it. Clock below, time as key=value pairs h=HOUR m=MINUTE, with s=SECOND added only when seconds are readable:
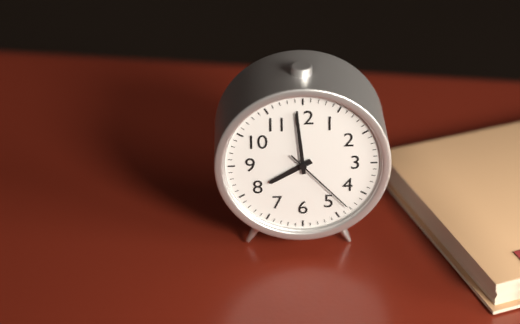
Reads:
h=7 m=59 s=23
